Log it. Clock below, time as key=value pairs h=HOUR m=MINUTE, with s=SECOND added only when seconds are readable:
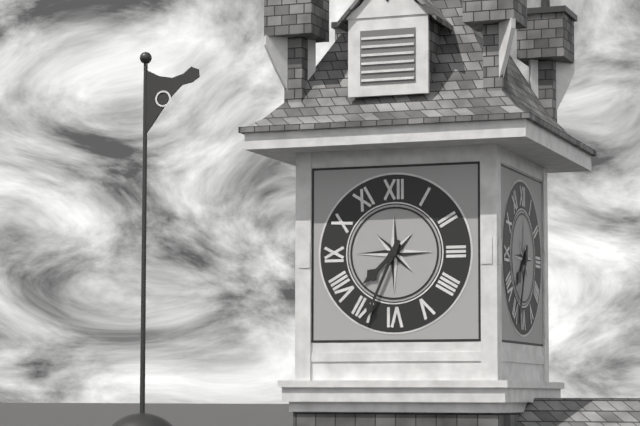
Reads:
h=7 m=34
